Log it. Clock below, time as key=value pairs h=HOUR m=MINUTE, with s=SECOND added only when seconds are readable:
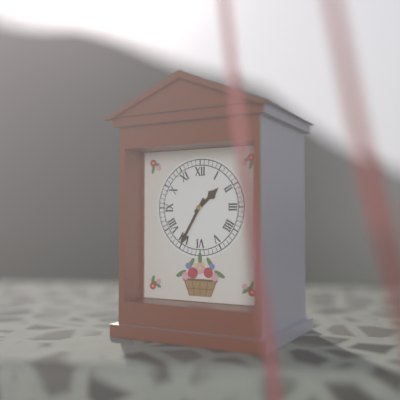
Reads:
h=1 m=35
